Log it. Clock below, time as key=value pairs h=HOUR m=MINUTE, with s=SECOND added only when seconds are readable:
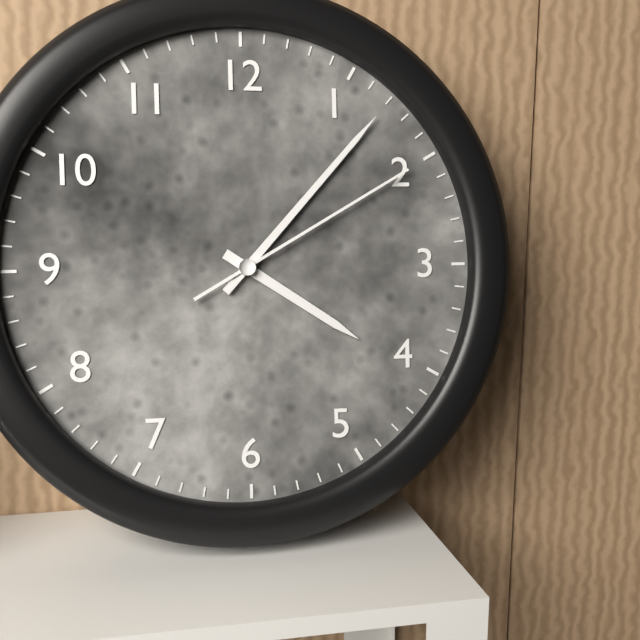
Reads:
h=4 m=7 s=10
